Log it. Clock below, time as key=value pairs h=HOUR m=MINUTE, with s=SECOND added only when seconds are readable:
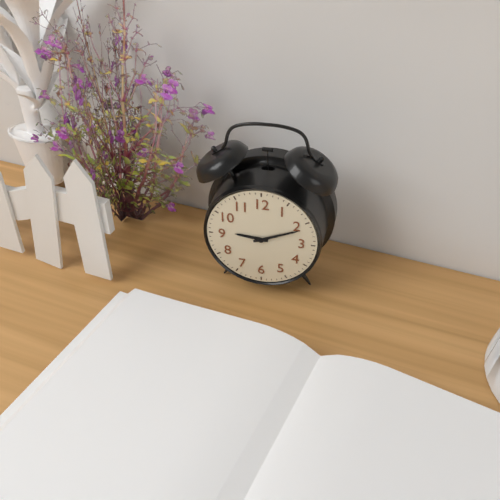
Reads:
h=9 m=11
